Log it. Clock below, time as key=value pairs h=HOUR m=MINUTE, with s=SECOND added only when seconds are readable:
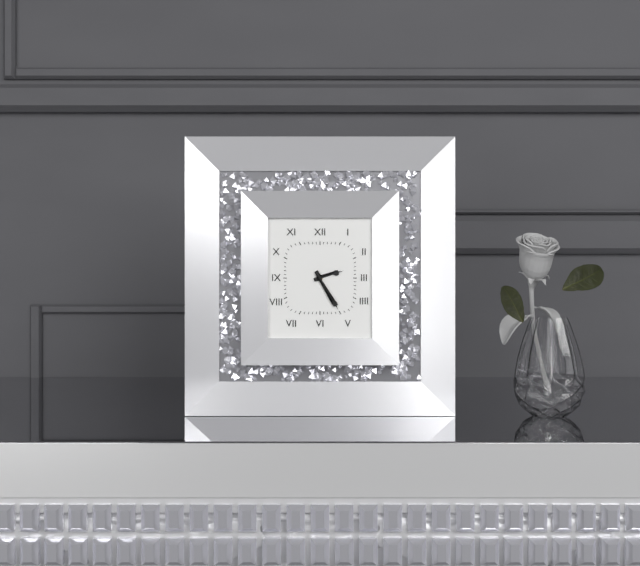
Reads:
h=2 m=25
